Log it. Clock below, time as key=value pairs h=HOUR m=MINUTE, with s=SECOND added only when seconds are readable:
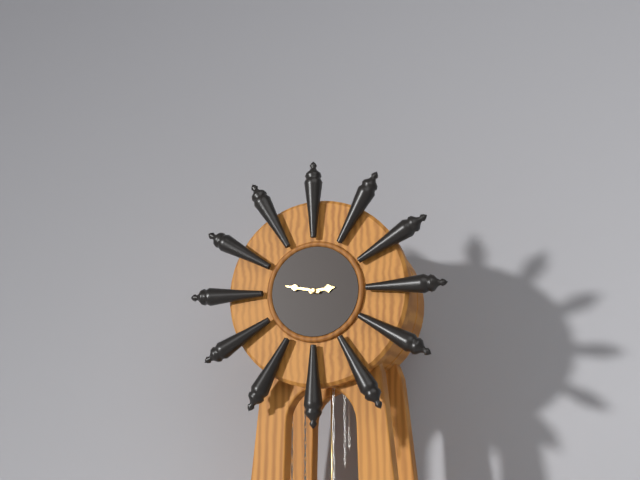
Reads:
h=2 m=47
